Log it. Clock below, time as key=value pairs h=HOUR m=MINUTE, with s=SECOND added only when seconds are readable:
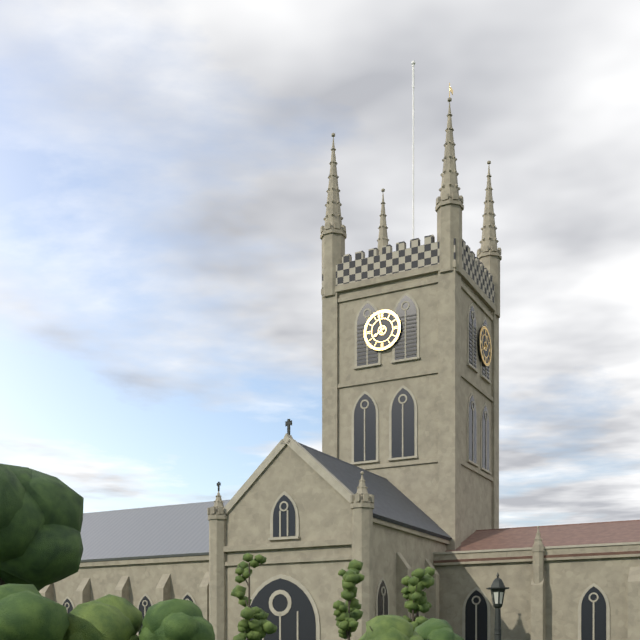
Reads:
h=7 m=58
